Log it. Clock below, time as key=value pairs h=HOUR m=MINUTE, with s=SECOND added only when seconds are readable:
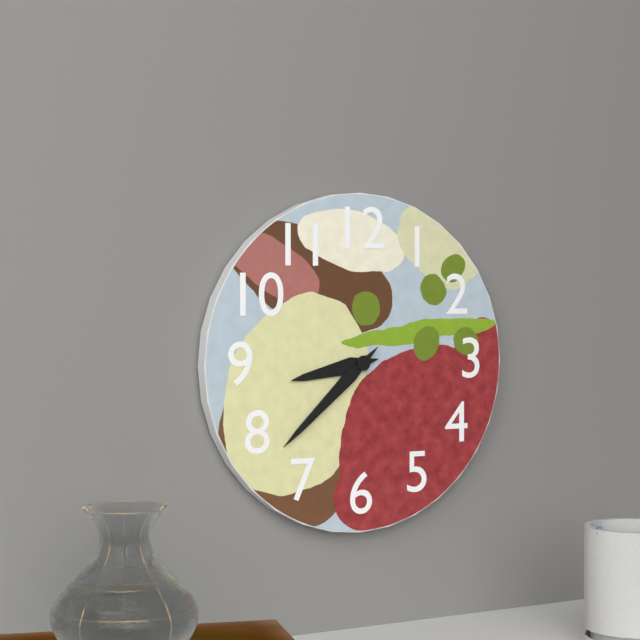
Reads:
h=8 m=38
